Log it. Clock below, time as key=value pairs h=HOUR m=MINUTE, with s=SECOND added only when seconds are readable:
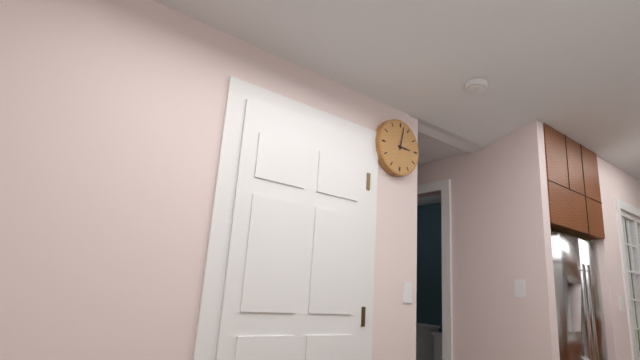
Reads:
h=3 m=2
